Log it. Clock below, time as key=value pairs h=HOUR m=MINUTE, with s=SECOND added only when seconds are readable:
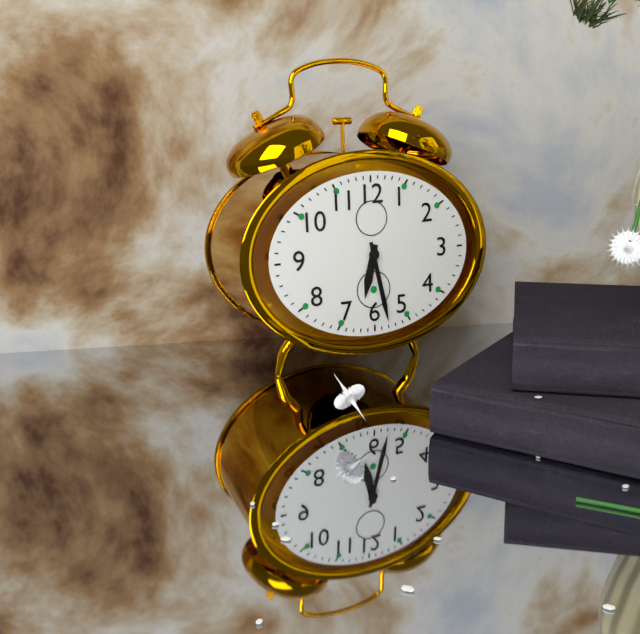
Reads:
h=6 m=28
